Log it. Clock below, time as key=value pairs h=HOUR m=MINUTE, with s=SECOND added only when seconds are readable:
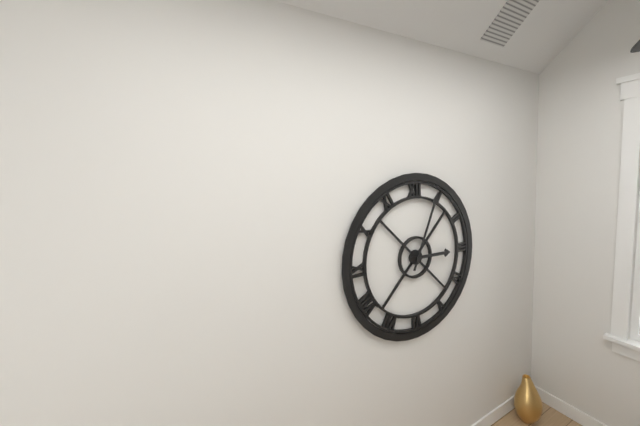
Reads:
h=3 m=4
